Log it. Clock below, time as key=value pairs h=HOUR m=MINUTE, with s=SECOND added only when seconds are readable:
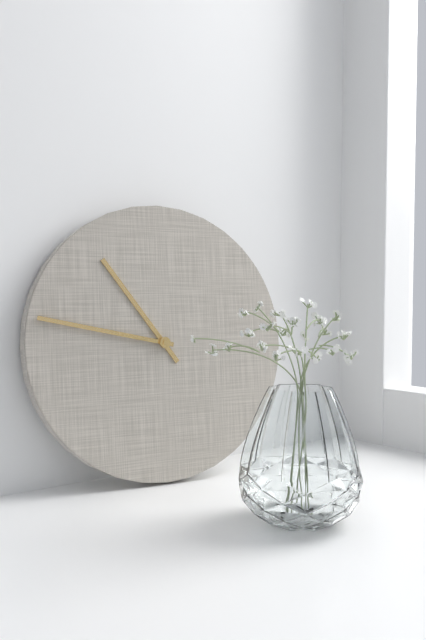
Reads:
h=10 m=47
